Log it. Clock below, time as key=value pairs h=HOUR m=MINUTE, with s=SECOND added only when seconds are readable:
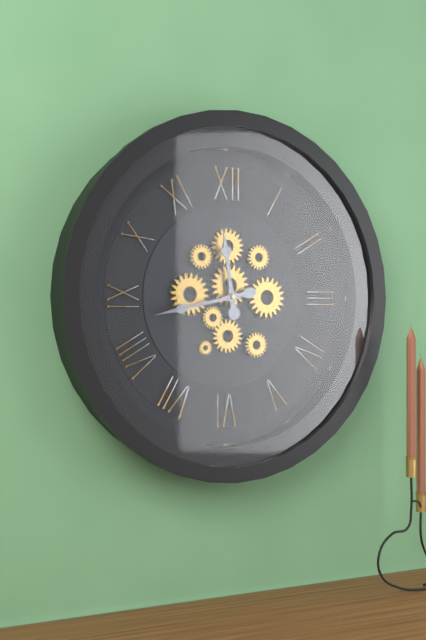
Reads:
h=11 m=43
